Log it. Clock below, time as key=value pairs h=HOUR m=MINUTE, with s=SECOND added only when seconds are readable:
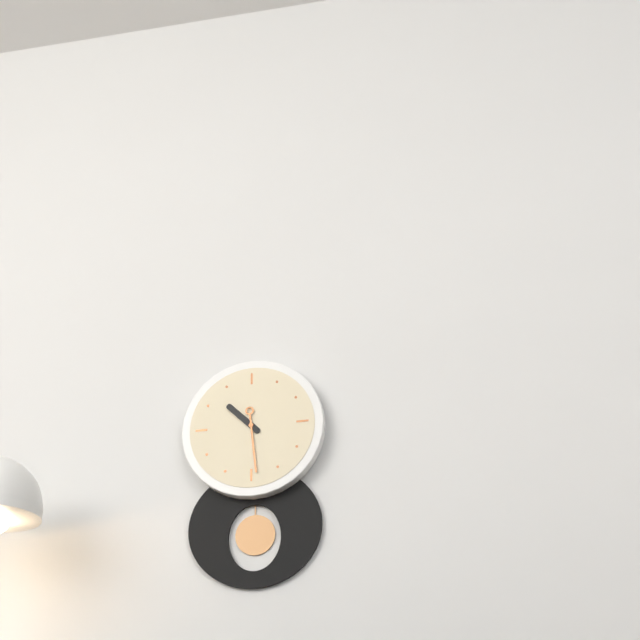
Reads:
h=10 m=29
